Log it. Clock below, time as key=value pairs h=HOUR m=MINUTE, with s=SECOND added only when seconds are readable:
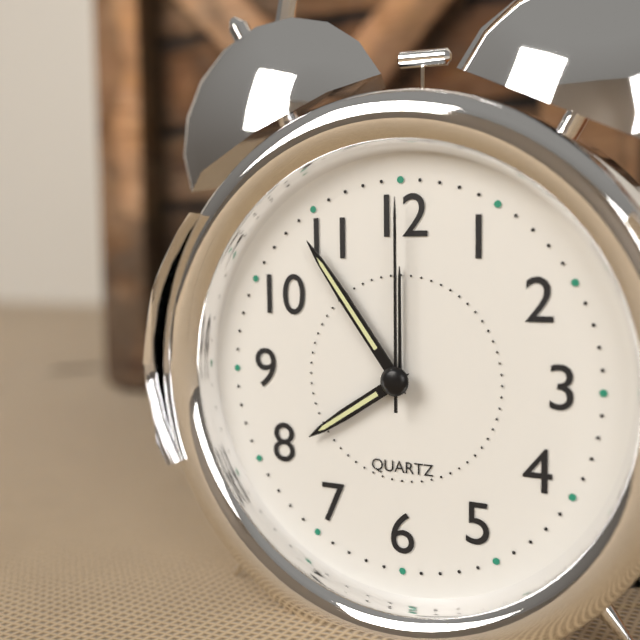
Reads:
h=7 m=54 s=0
